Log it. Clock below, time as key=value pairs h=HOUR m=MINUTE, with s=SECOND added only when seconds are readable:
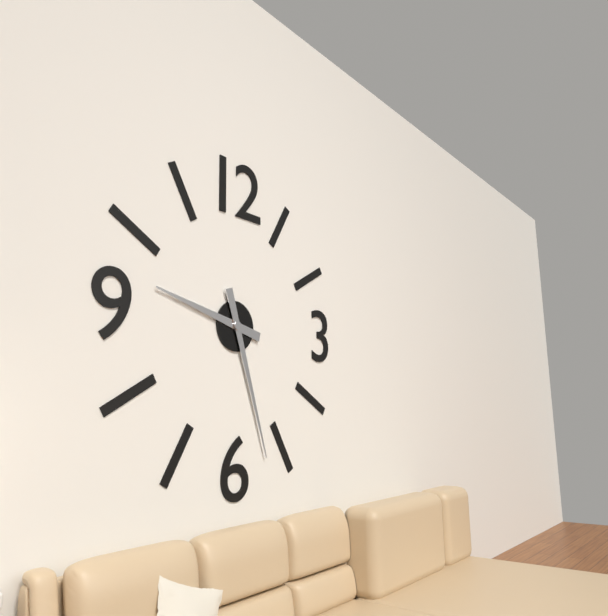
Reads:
h=9 m=27
